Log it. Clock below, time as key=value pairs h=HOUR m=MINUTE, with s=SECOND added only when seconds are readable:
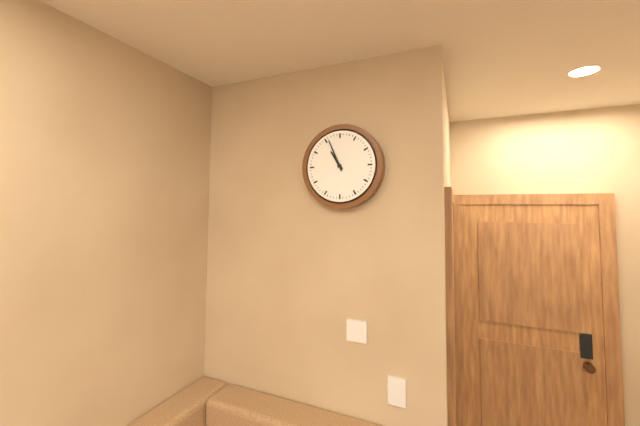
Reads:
h=10 m=56
